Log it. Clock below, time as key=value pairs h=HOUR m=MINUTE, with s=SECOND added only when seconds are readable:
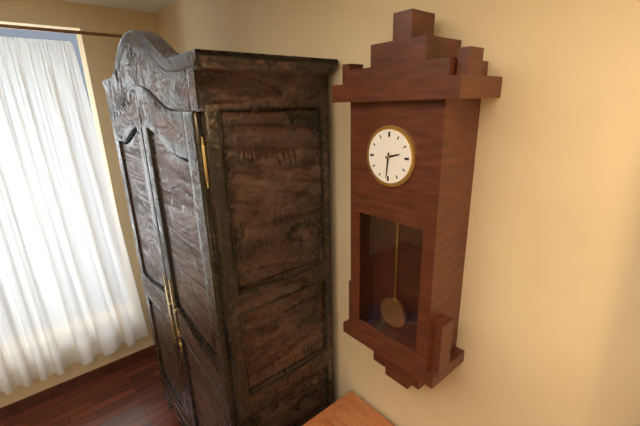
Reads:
h=2 m=31
